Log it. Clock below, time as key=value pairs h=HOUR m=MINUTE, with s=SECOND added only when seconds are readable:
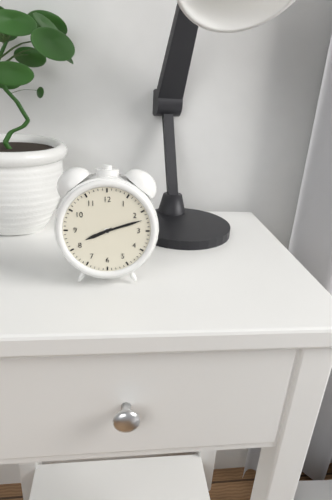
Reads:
h=8 m=12
